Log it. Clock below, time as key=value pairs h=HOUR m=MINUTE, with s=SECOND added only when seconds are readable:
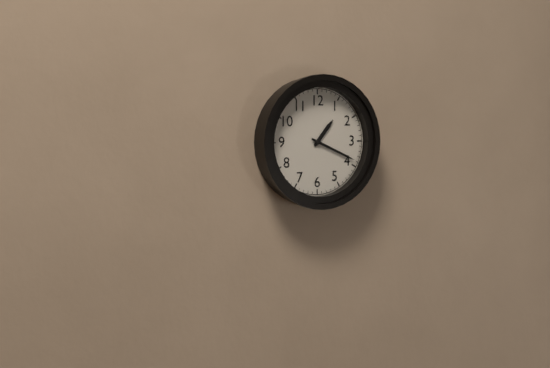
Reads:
h=1 m=19
